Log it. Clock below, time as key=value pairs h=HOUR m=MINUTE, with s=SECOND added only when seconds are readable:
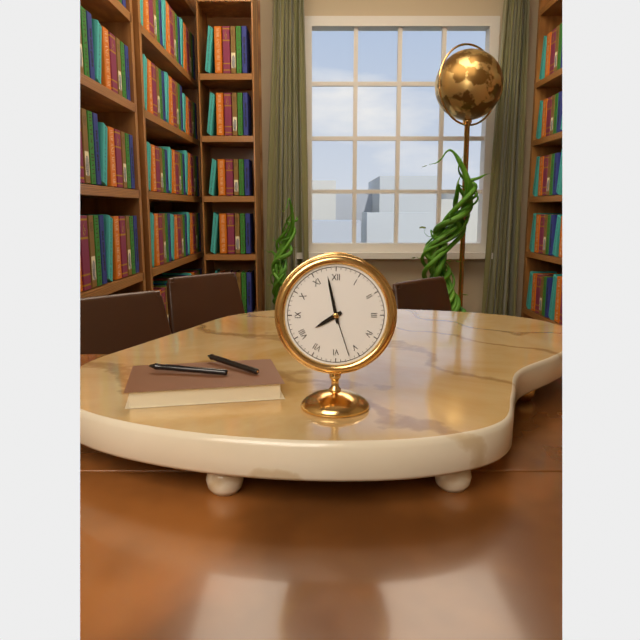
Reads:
h=7 m=58 s=27
